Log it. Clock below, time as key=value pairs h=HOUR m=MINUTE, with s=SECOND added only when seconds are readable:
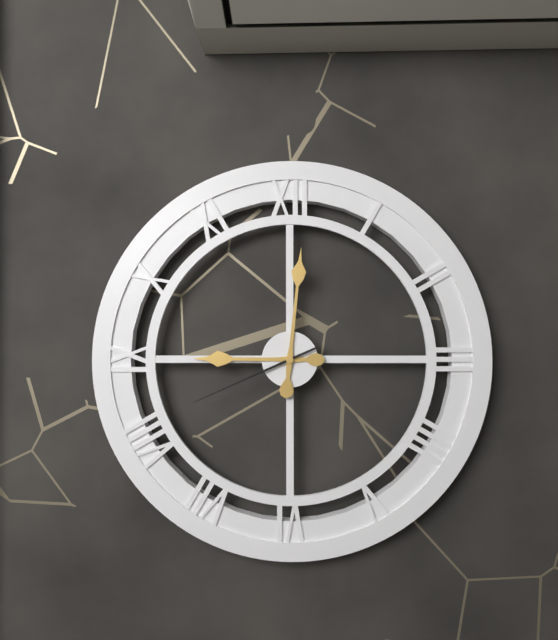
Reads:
h=9 m=1 s=41
